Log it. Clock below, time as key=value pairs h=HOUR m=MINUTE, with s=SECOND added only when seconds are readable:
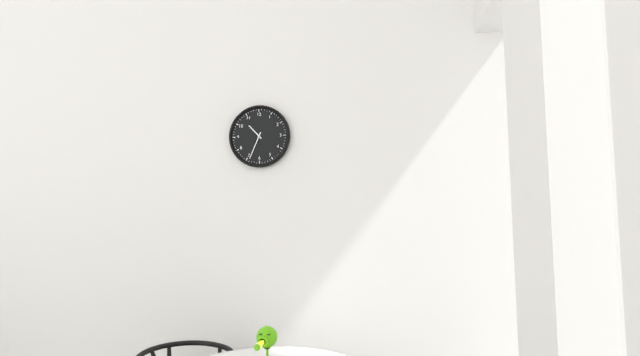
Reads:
h=10 m=34
